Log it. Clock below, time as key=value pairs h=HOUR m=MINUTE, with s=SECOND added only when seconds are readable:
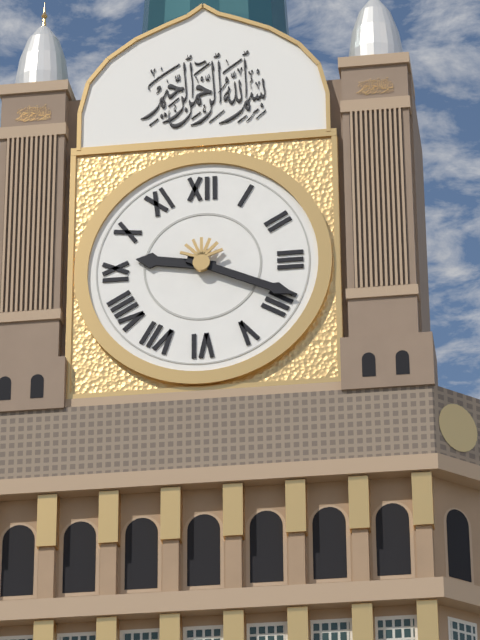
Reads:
h=9 m=19
